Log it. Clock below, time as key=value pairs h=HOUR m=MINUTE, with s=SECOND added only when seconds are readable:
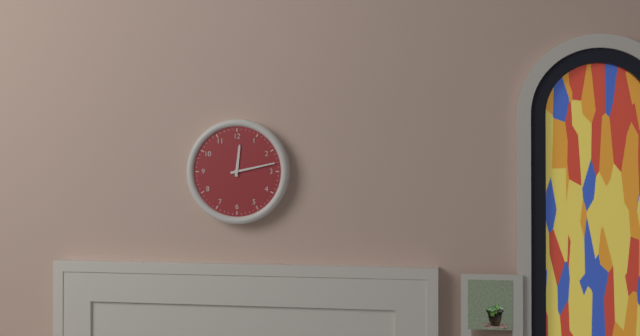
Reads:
h=12 m=13
